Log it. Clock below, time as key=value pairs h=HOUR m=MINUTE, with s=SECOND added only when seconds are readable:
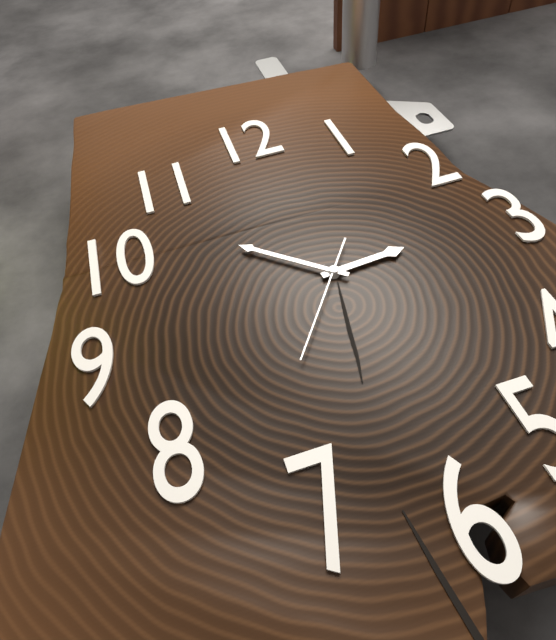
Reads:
h=2 m=52 s=36
